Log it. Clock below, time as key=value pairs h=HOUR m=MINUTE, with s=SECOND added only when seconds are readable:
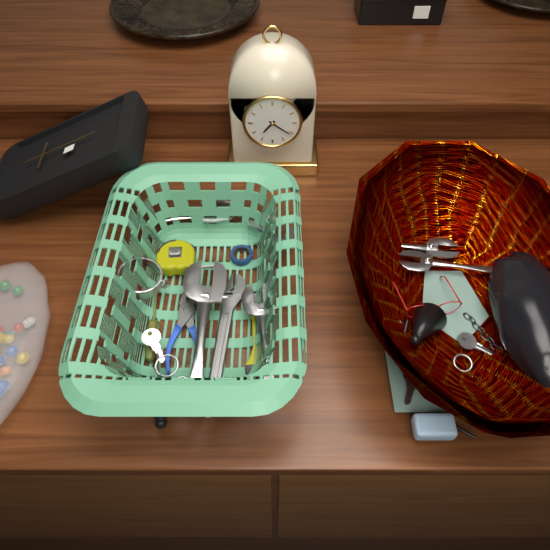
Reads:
h=7 m=21
